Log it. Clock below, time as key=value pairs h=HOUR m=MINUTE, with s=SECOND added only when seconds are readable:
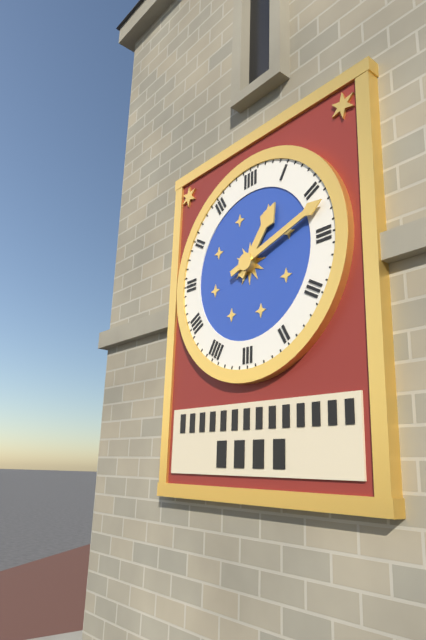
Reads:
h=1 m=12
